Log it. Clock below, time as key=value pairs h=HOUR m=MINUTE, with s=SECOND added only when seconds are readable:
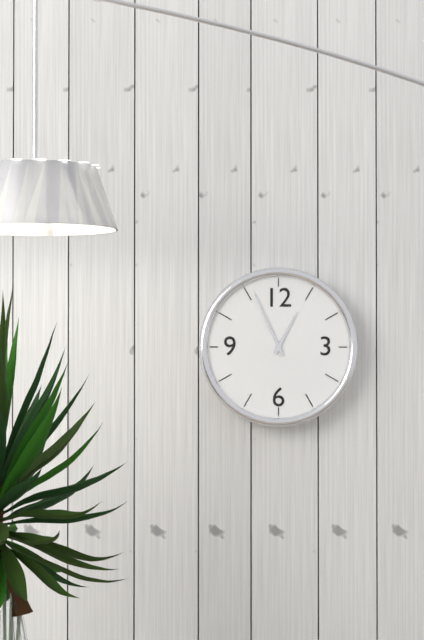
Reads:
h=12 m=56
